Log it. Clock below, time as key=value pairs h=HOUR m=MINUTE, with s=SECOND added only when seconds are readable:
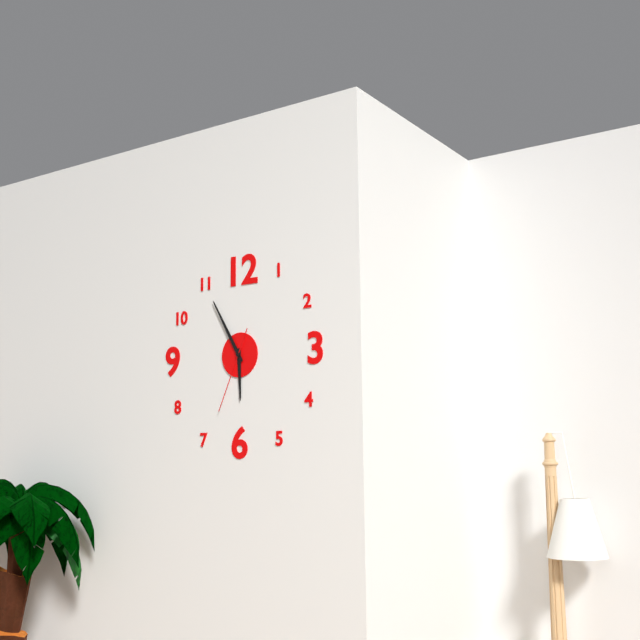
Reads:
h=5 m=55 s=34
